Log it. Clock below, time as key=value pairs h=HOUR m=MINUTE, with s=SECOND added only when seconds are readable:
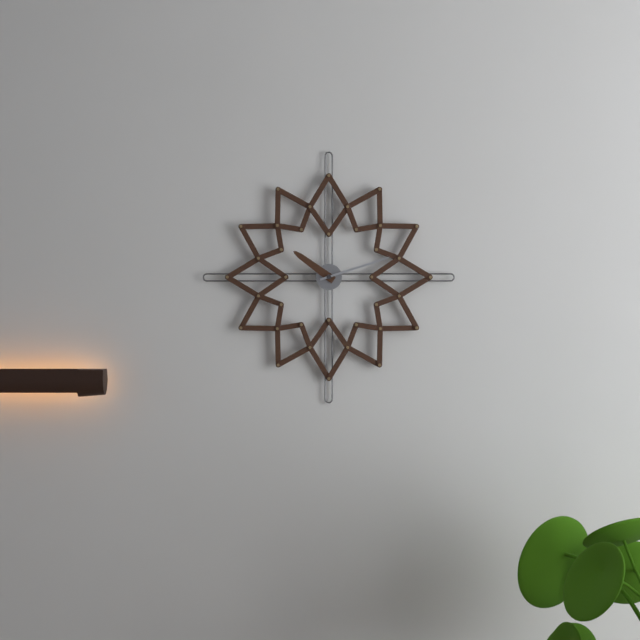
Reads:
h=10 m=12
